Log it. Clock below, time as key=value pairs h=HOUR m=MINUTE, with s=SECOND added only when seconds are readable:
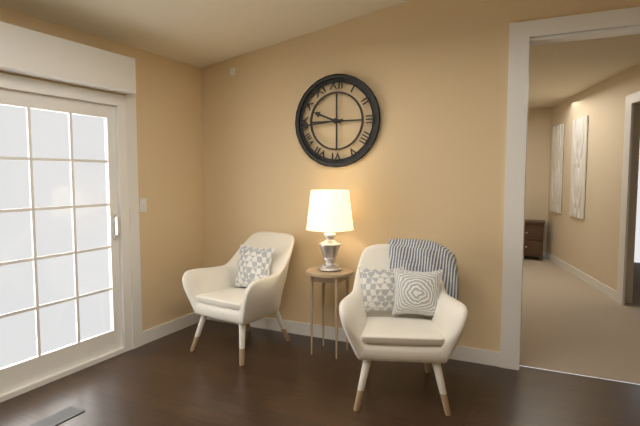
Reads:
h=9 m=44
